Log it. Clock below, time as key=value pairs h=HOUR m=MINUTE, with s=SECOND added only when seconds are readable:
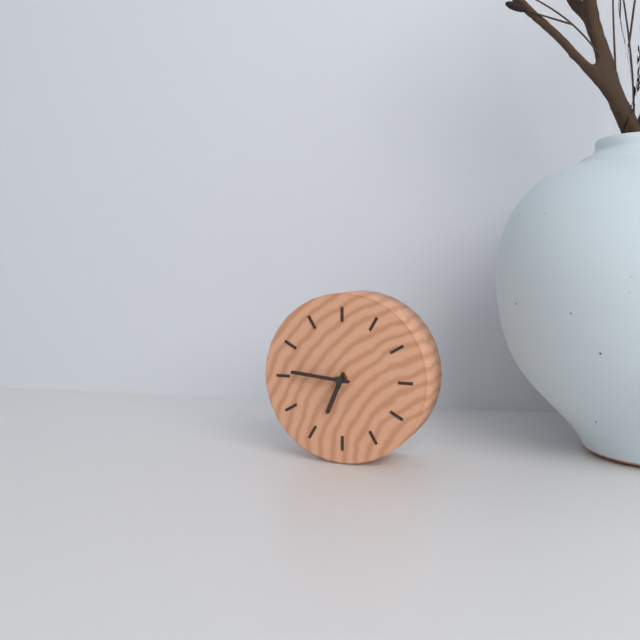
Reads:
h=6 m=46
